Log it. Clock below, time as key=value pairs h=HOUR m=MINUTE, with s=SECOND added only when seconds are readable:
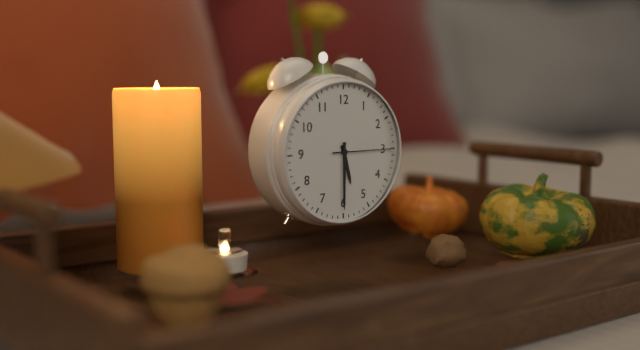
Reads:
h=5 m=30 s=15
